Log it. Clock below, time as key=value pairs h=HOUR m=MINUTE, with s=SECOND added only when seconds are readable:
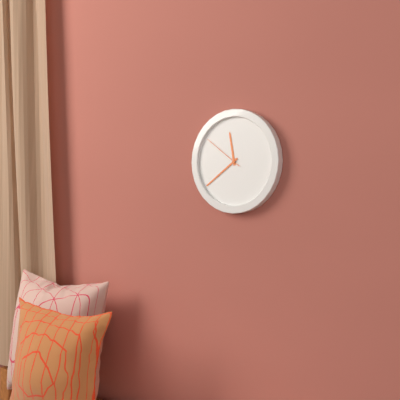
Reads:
h=11 m=39
